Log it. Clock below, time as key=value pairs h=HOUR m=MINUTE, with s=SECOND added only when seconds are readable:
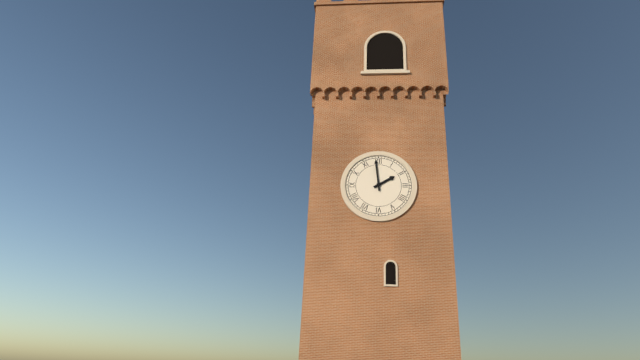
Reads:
h=1 m=59
